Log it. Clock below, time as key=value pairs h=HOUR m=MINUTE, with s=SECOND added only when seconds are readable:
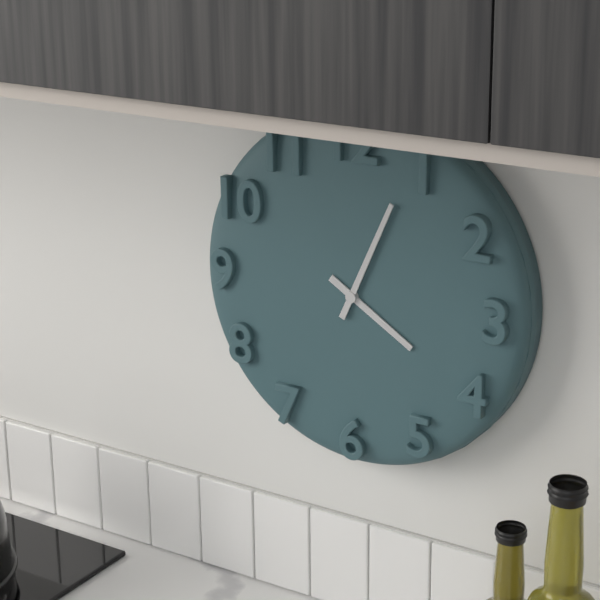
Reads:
h=4 m=4
